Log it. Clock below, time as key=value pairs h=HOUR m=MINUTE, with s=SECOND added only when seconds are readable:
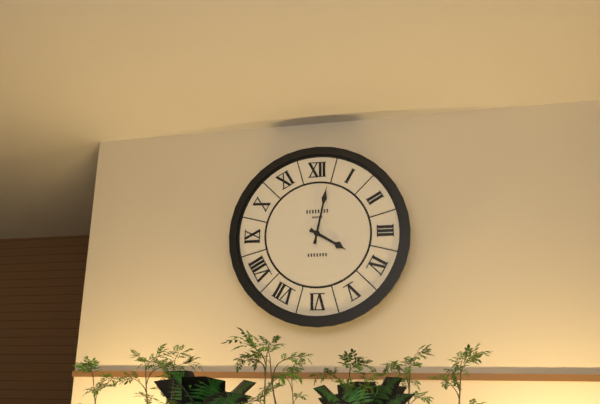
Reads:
h=4 m=2
